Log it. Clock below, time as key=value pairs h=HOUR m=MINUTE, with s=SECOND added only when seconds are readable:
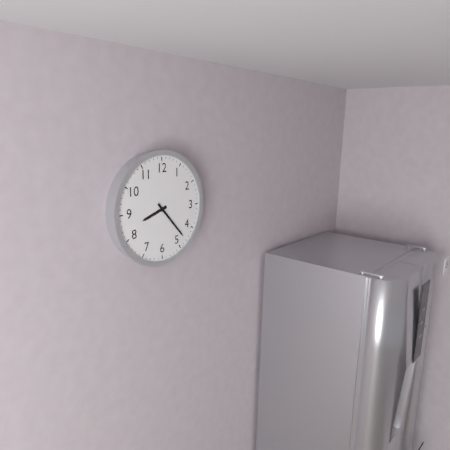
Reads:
h=8 m=23
